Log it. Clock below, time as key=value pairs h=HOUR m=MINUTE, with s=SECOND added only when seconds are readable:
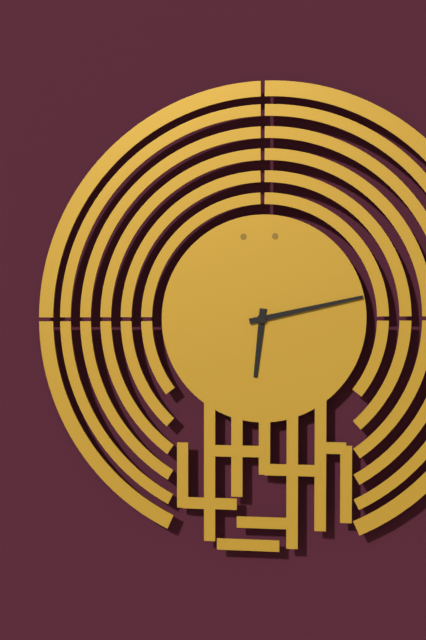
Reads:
h=6 m=13
